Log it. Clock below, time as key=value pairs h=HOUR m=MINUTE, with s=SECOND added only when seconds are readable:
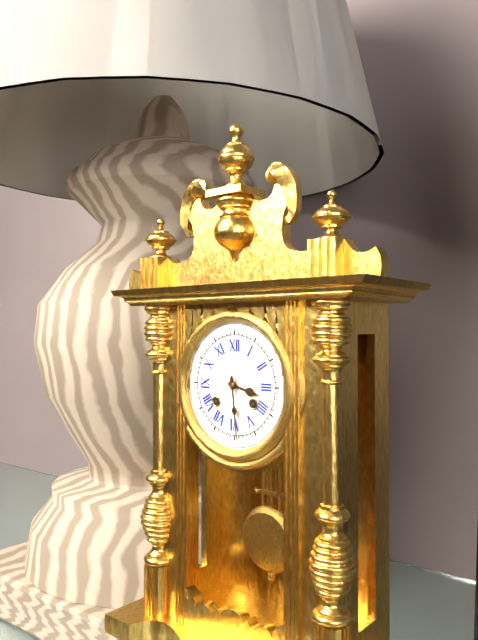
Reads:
h=3 m=29
